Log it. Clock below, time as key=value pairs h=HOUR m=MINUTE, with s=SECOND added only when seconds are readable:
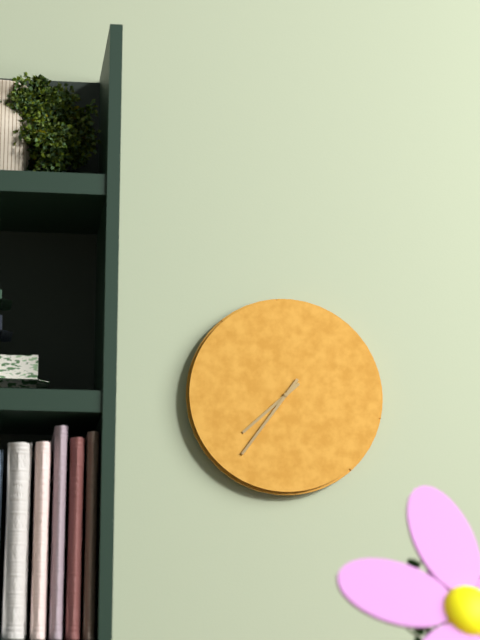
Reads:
h=7 m=36
